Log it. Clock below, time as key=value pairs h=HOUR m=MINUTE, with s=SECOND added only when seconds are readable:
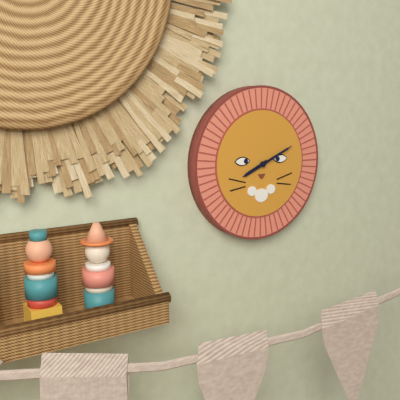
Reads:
h=8 m=11
